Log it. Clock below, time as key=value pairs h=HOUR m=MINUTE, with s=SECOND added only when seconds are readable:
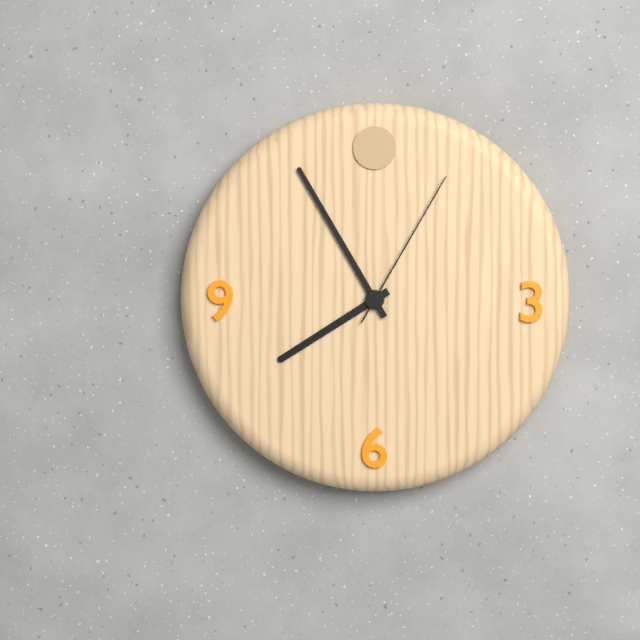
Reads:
h=7 m=55 s=5
